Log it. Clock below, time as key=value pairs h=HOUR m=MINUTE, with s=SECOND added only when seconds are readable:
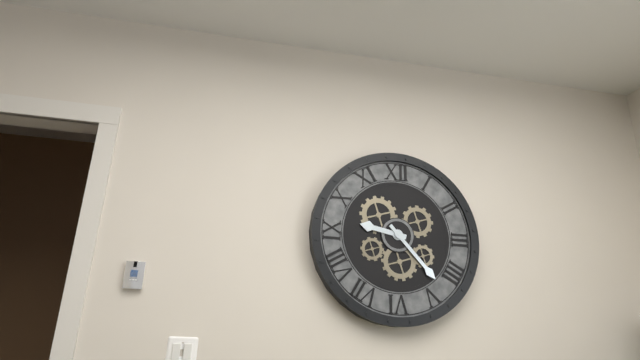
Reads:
h=9 m=23
